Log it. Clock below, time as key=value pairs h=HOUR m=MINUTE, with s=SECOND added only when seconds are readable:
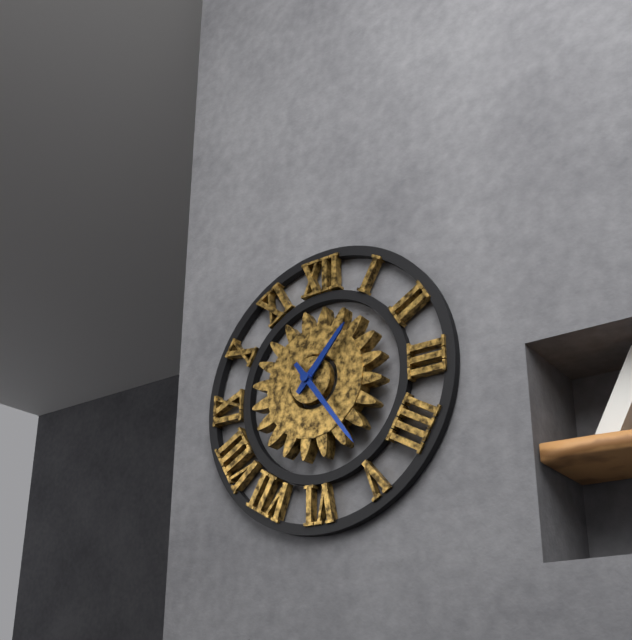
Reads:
h=1 m=24
